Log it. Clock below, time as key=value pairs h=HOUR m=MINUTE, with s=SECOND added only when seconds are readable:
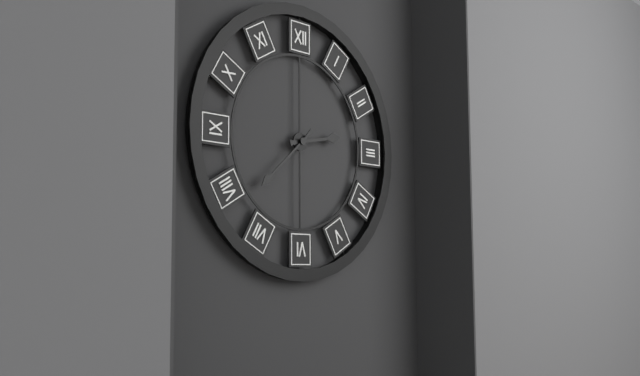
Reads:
h=2 m=38
